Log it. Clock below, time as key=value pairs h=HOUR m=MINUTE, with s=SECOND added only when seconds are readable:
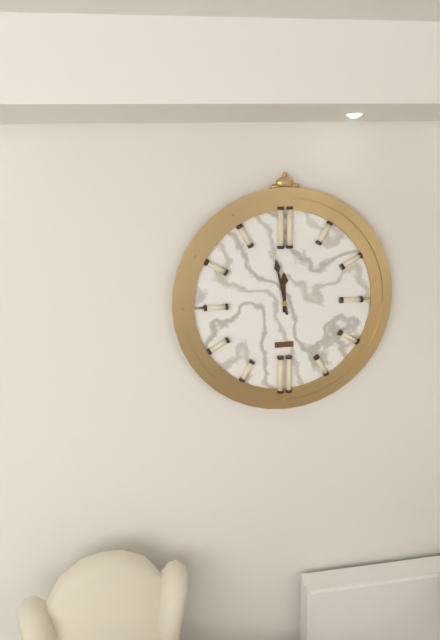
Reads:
h=11 m=58
